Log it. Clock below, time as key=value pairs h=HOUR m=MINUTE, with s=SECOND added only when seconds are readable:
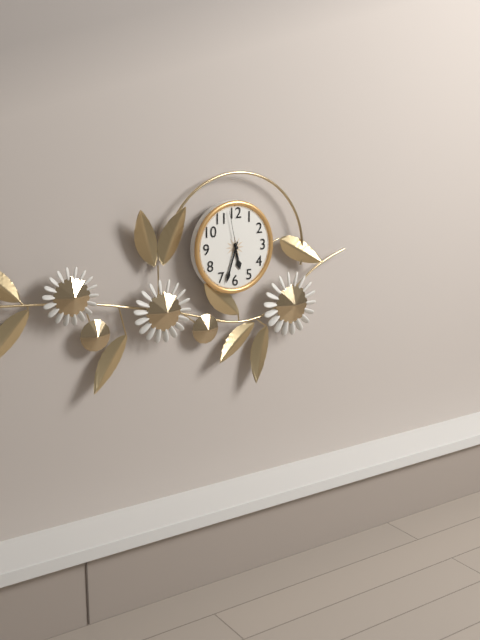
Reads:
h=5 m=33
